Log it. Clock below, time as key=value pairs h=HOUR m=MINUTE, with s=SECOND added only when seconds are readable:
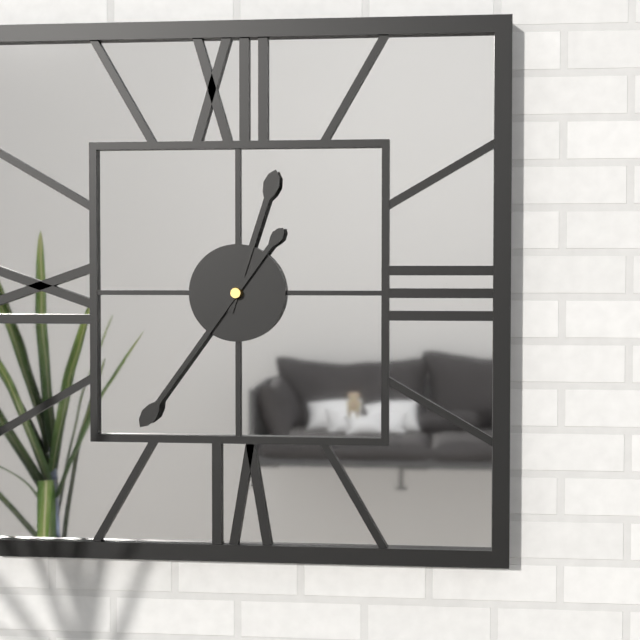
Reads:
h=12 m=36
